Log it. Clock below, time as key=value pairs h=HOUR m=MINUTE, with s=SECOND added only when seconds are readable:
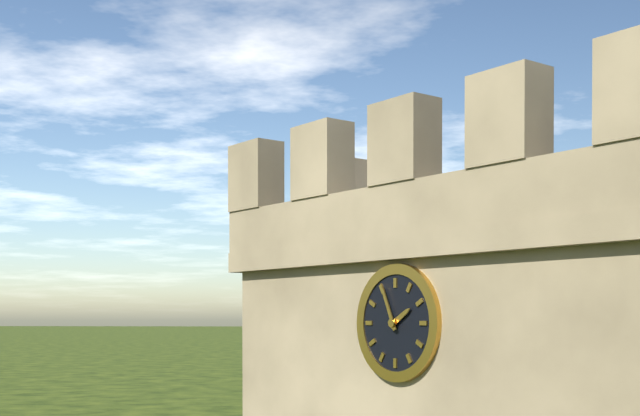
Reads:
h=1 m=56
